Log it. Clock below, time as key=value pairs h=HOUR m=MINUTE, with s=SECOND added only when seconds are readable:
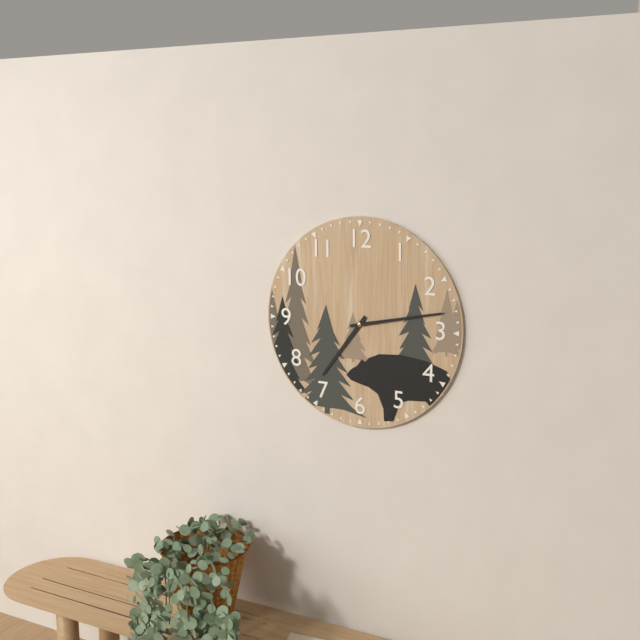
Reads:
h=7 m=13
